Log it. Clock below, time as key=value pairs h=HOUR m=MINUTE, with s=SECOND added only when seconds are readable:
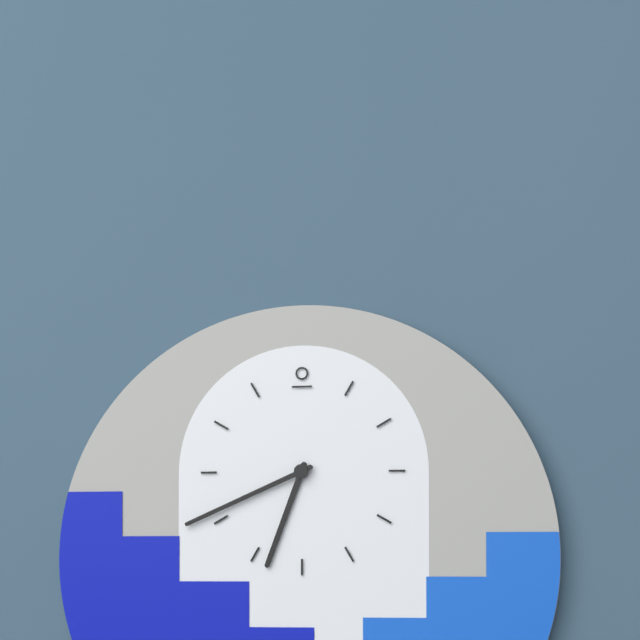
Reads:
h=6 m=41
